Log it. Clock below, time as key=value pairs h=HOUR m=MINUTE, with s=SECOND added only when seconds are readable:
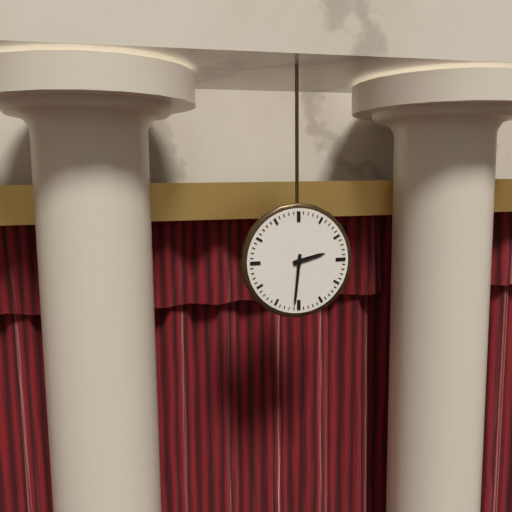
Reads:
h=2 m=31
